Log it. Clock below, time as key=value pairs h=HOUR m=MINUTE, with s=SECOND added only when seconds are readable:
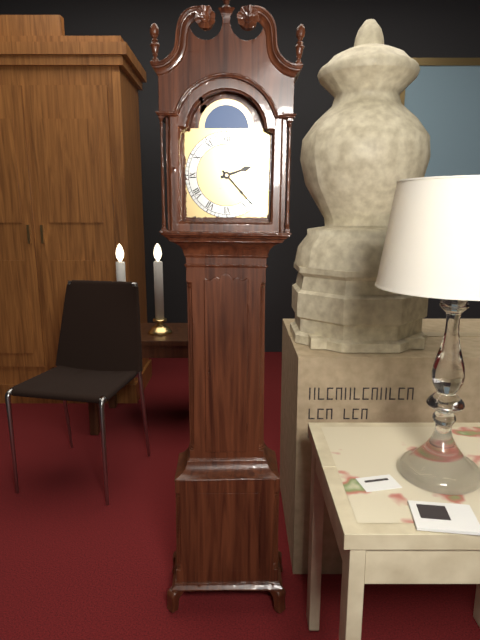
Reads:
h=2 m=23
